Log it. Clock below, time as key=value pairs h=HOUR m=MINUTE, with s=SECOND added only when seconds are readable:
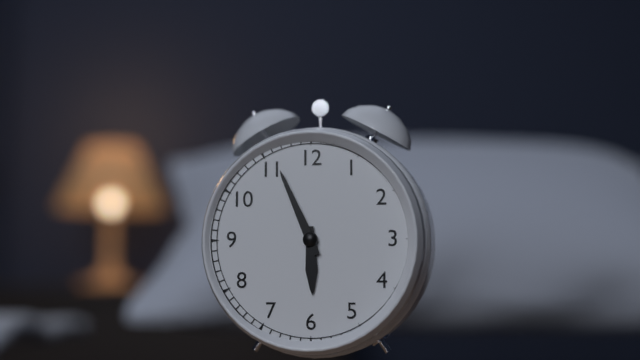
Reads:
h=5 m=56
